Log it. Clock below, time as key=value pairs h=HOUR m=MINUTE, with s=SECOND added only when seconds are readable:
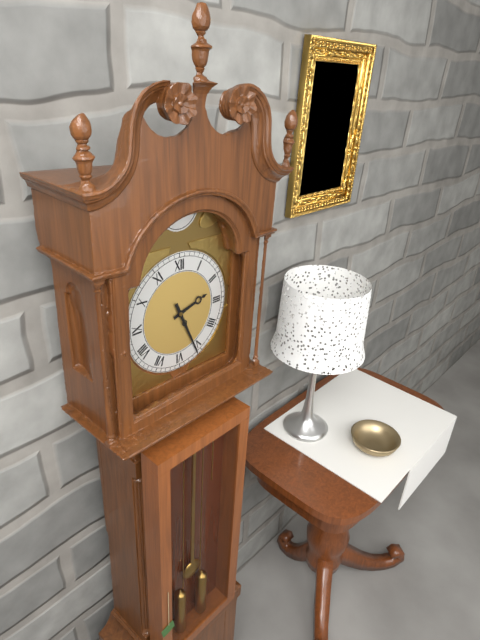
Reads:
h=2 m=26
